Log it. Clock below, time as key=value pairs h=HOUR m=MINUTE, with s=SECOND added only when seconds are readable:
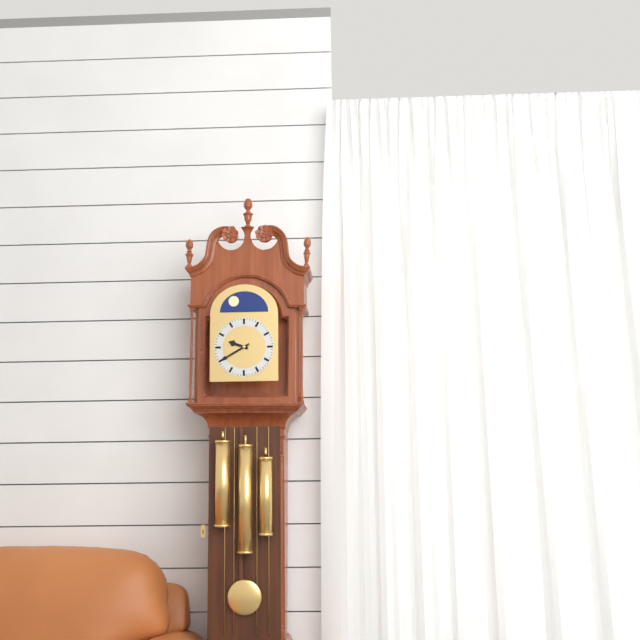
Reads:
h=9 m=40
